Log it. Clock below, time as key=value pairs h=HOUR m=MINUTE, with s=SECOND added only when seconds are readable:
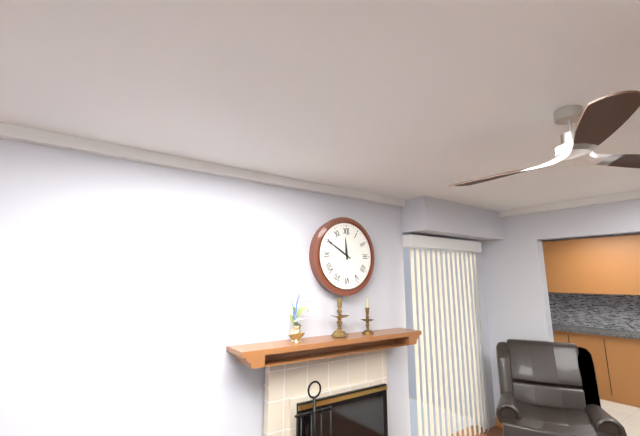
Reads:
h=11 m=50
